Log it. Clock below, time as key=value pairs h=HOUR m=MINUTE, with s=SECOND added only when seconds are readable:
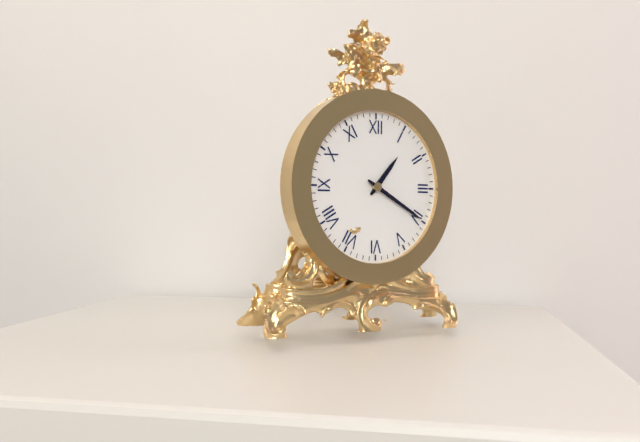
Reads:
h=1 m=20
